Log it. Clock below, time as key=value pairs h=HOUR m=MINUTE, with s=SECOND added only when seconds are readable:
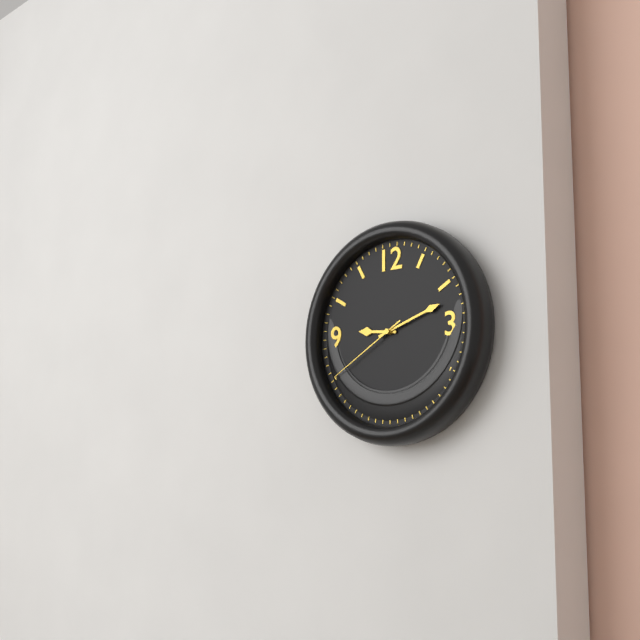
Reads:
h=9 m=12 s=40
